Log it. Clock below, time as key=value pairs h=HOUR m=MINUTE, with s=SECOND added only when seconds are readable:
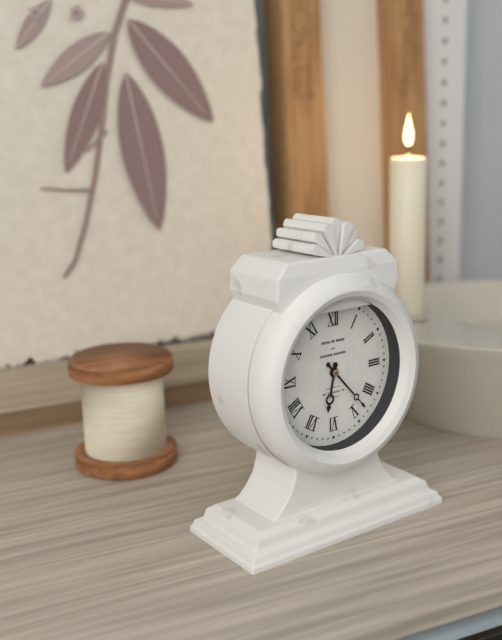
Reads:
h=6 m=23
